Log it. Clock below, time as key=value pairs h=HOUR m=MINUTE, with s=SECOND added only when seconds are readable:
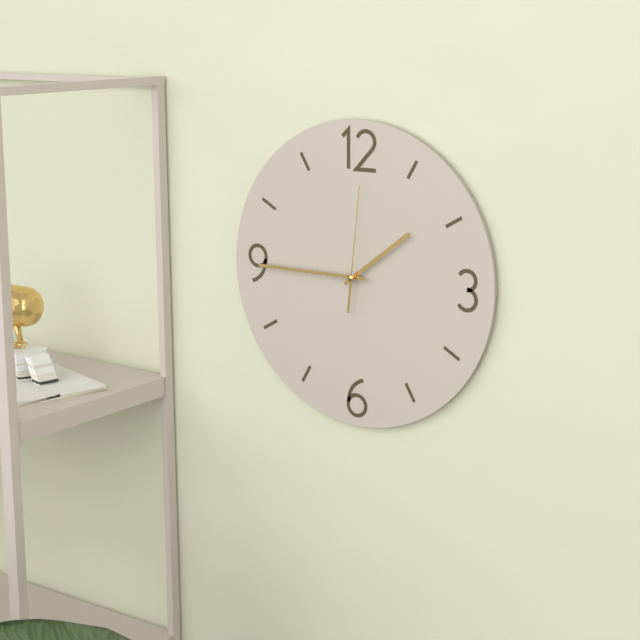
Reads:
h=1 m=45 s=1
